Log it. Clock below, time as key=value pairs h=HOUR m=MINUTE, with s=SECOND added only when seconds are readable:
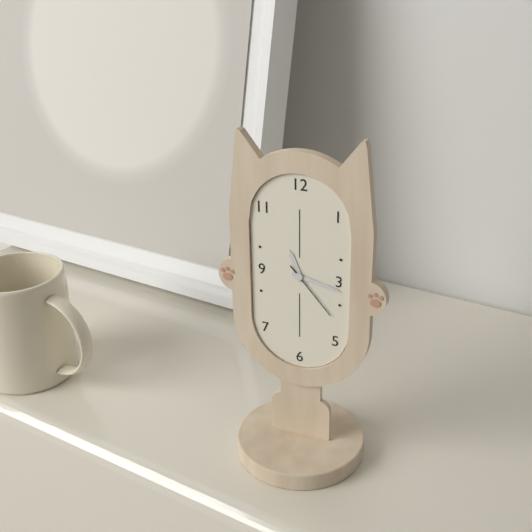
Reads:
h=11 m=17 s=23
